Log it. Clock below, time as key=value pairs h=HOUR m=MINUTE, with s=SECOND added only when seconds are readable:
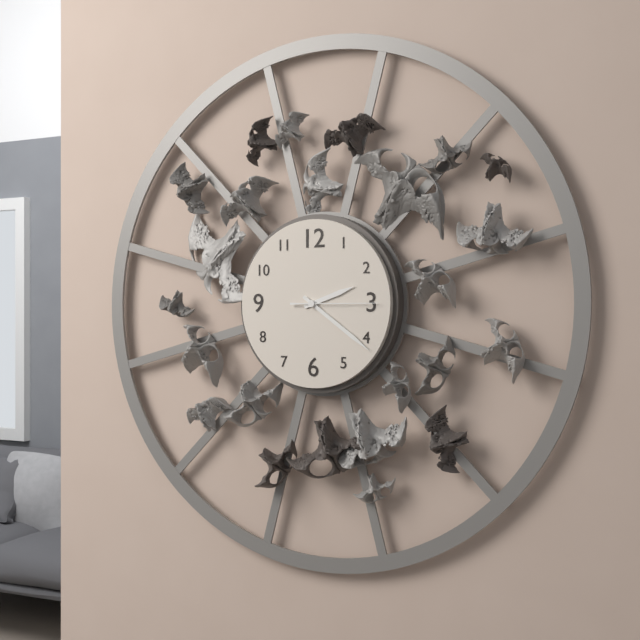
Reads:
h=2 m=21 s=15
